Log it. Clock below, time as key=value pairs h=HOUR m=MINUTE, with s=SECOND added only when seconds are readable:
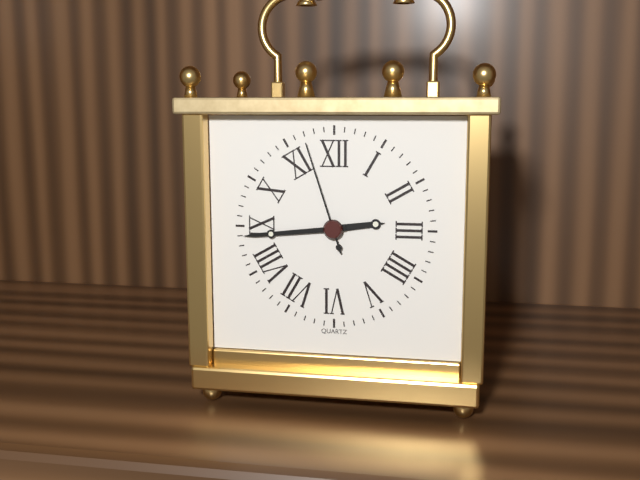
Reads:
h=2 m=44 s=57
